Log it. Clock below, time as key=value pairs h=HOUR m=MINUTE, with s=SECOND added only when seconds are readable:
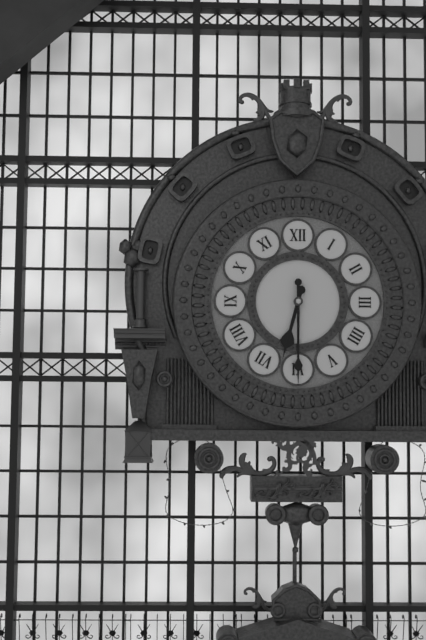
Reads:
h=6 m=30
